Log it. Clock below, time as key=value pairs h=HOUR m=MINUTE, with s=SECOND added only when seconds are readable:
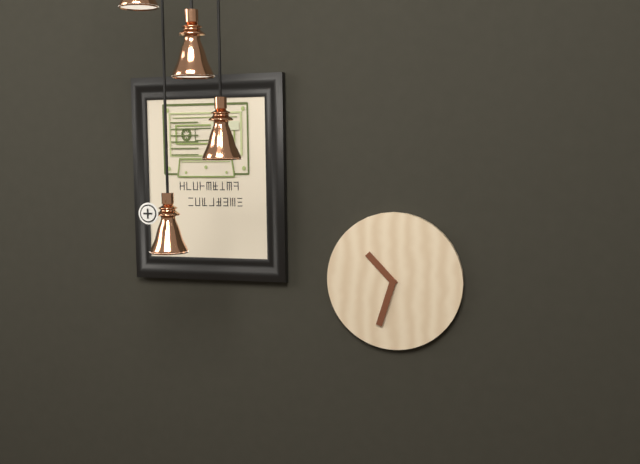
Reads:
h=10 m=33
